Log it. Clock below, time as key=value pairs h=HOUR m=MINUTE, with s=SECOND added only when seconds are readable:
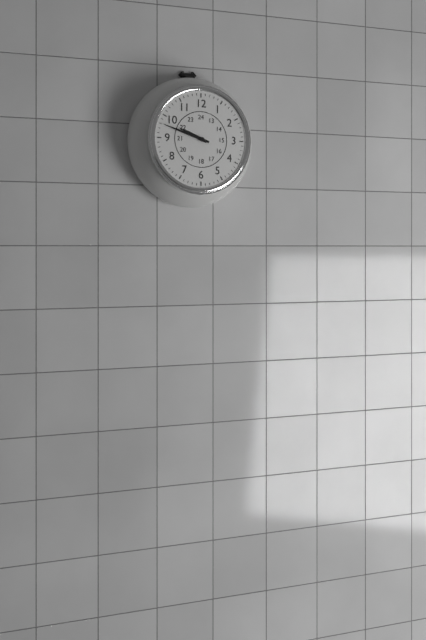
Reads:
h=9 m=48
